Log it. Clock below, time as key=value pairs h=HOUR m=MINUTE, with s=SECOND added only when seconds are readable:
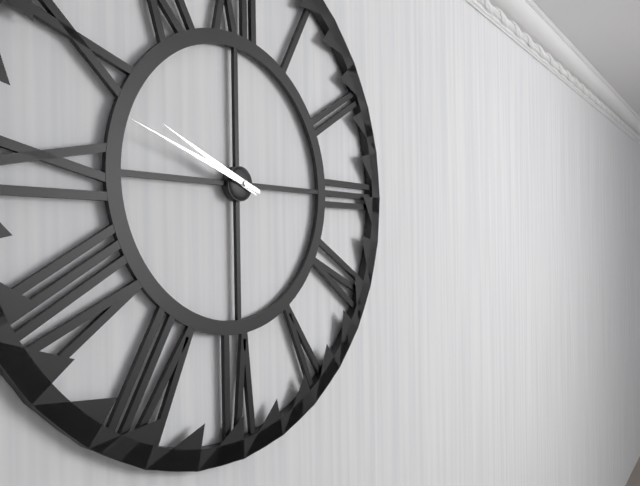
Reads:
h=9 m=48
